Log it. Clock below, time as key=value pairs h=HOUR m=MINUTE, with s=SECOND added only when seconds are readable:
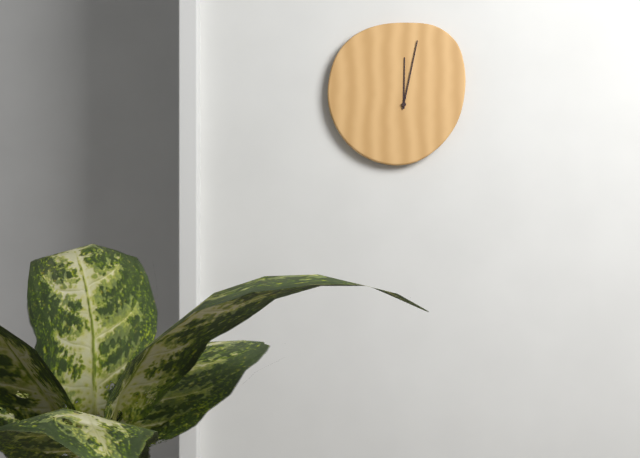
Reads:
h=12 m=2
